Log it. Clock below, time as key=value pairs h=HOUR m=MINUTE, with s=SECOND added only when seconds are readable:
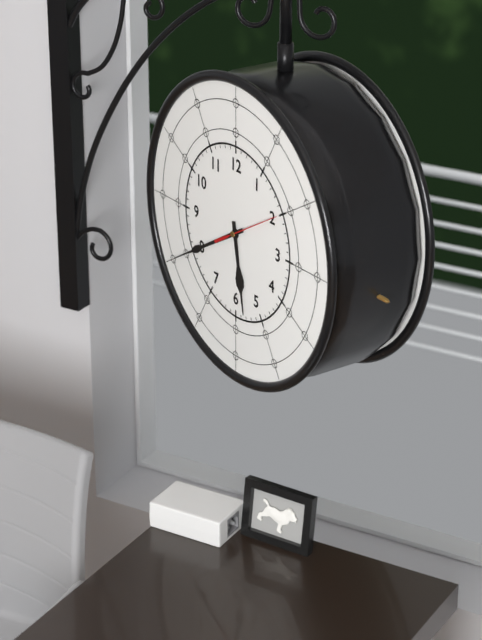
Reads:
h=5 m=40 s=10
